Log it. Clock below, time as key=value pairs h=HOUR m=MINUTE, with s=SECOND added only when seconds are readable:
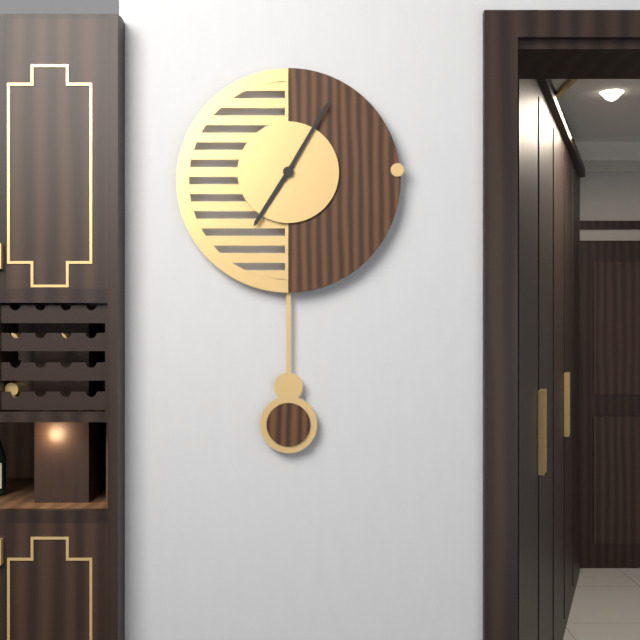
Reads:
h=7 m=5
